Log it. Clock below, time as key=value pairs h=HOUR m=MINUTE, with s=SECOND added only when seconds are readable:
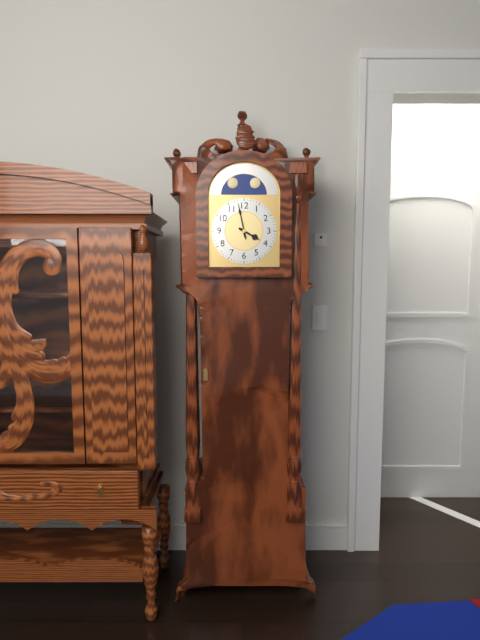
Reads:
h=3 m=58
